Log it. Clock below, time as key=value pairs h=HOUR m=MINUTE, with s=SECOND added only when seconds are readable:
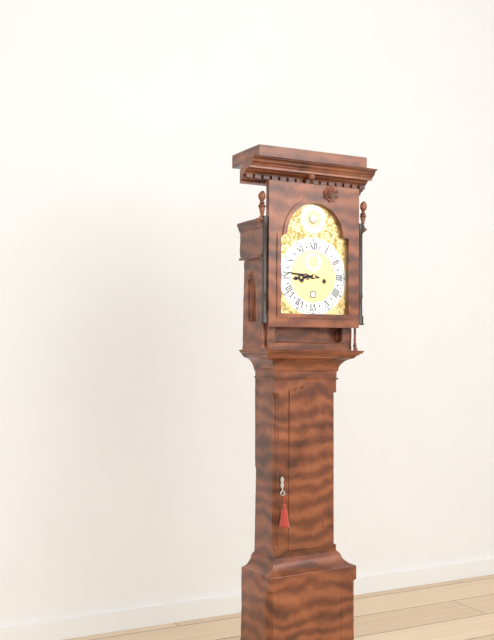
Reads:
h=8 m=46
